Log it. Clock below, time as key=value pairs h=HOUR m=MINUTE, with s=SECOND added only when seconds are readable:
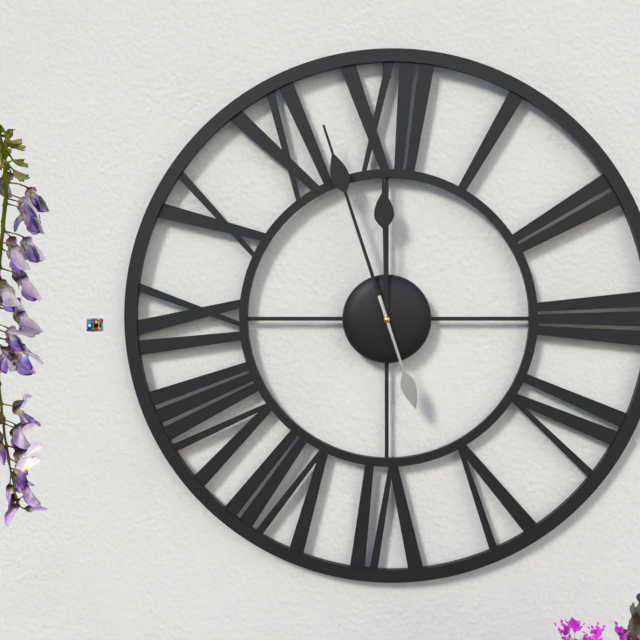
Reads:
h=11 m=57 s=27
